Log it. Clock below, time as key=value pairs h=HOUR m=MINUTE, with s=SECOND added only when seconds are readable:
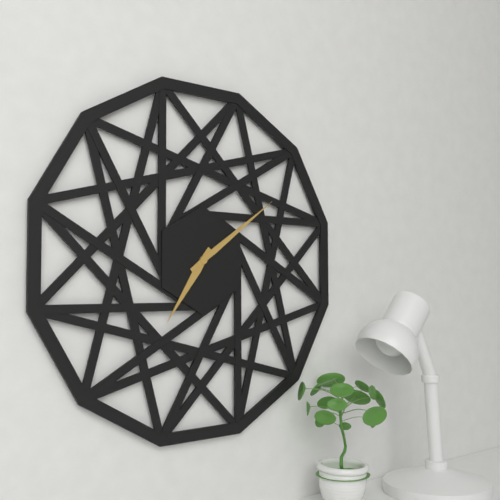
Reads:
h=7 m=9
